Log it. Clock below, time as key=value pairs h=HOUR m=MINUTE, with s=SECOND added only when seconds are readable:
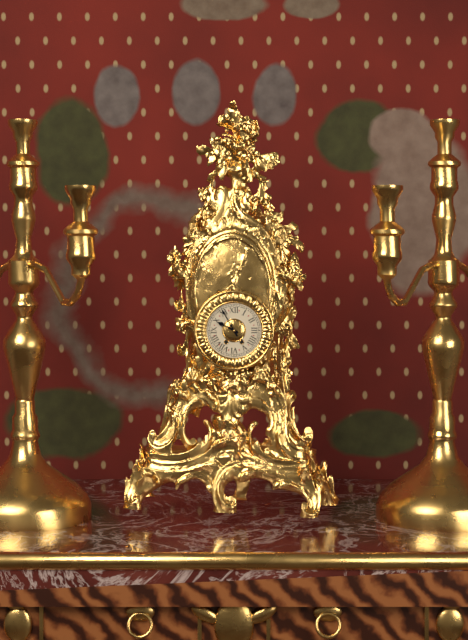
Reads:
h=9 m=55
